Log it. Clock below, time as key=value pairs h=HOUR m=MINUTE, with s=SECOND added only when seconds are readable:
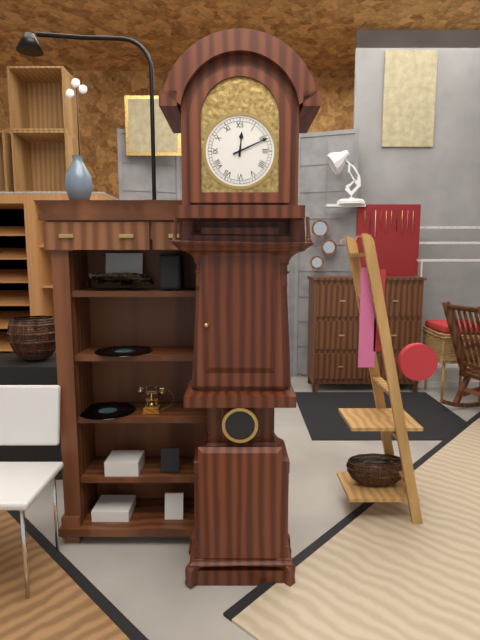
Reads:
h=12 m=11
